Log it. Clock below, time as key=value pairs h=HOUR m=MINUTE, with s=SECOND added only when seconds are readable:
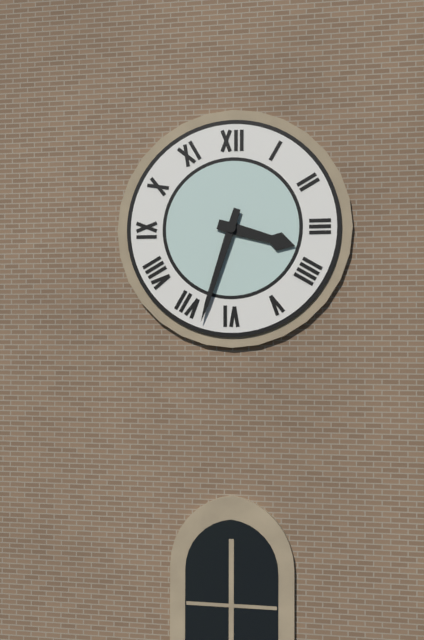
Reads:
h=3 m=33
